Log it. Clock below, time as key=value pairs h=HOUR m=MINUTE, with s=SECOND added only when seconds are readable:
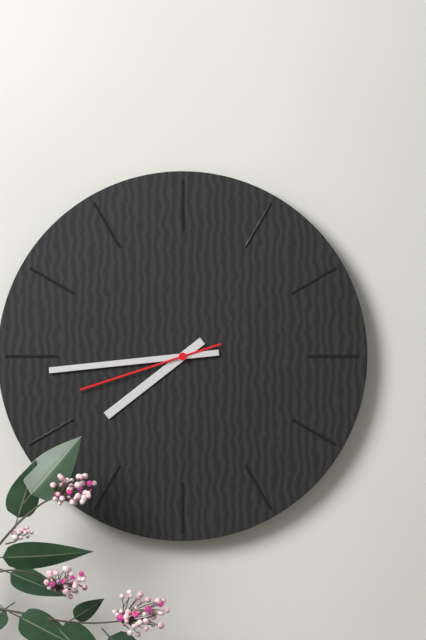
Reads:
h=7 m=44 s=42
